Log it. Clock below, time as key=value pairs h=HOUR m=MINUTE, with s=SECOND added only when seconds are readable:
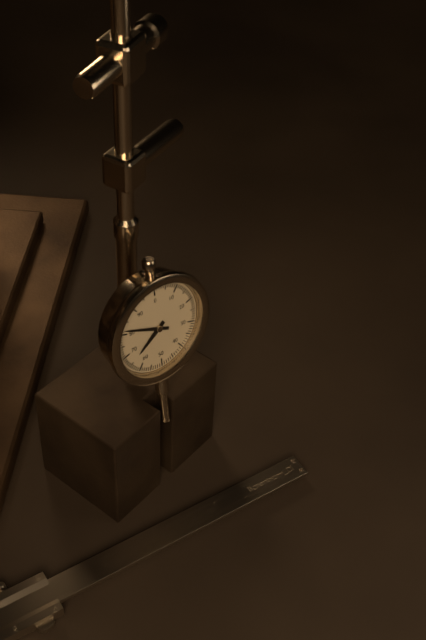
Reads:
h=7 m=49
